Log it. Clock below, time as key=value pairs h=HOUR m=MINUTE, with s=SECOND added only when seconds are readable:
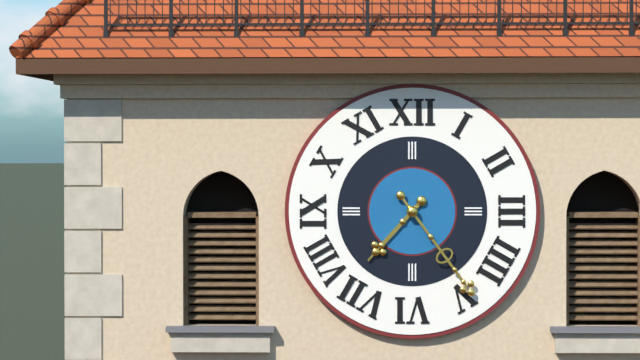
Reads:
h=7 m=24
